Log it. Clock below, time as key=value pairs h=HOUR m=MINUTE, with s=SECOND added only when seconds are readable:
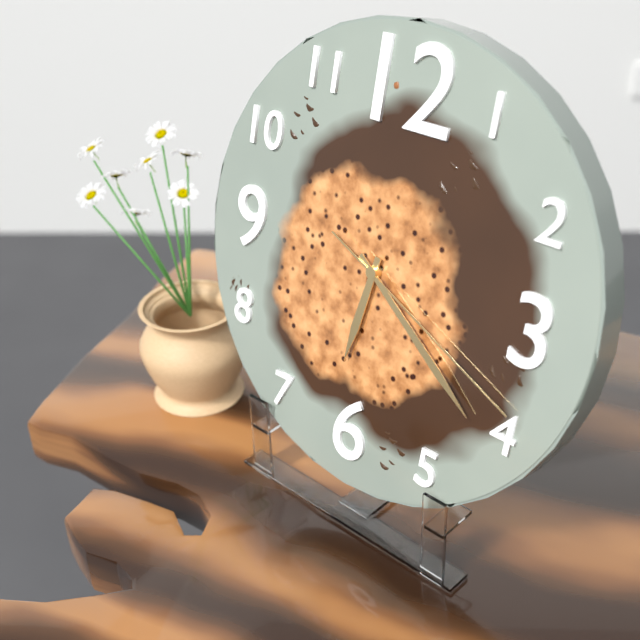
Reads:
h=6 m=21 s=19
